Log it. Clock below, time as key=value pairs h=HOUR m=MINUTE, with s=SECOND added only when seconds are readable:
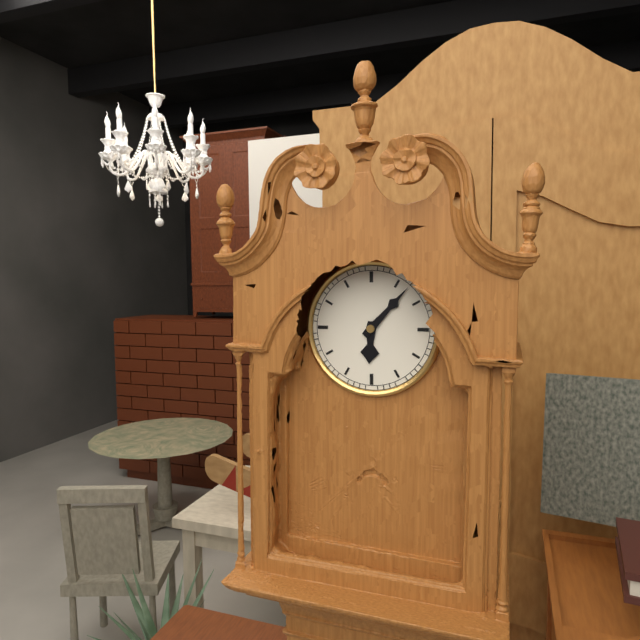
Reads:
h=6 m=7
